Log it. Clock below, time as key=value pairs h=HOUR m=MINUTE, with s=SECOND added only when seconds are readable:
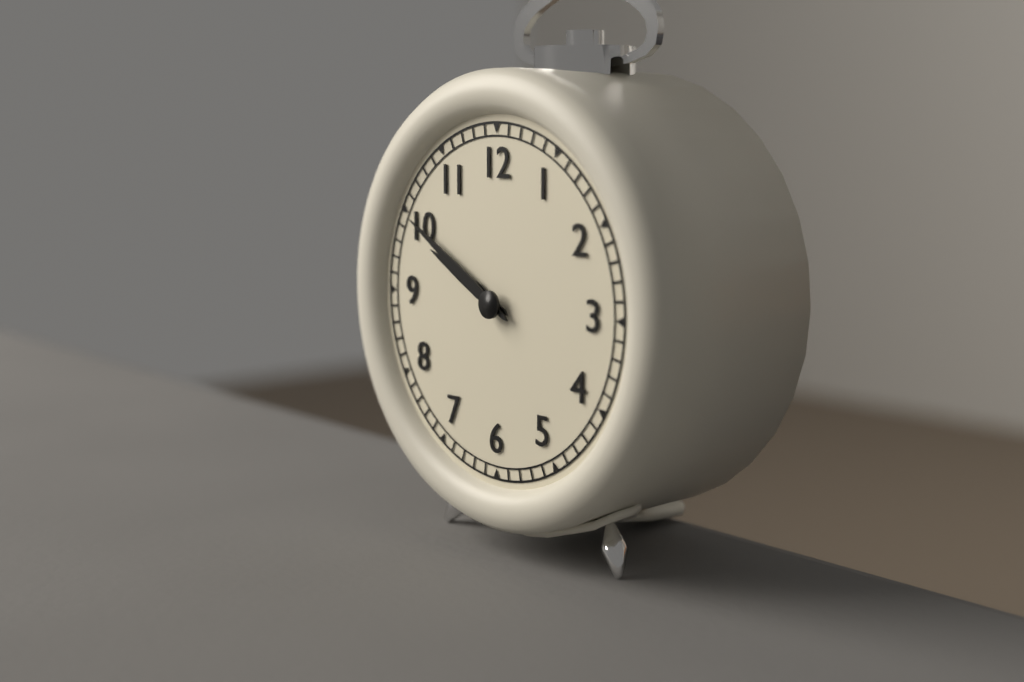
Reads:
h=9 m=50
